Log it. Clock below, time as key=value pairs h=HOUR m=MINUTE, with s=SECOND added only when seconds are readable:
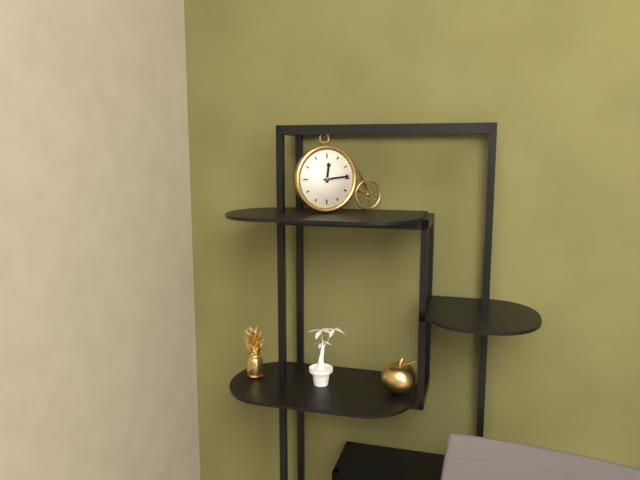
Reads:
h=12 m=14
